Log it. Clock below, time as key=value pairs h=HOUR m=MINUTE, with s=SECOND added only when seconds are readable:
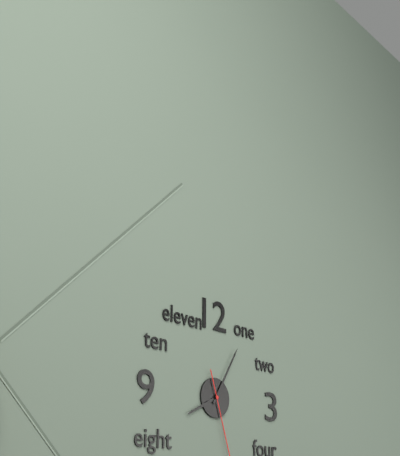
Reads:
h=8 m=5
